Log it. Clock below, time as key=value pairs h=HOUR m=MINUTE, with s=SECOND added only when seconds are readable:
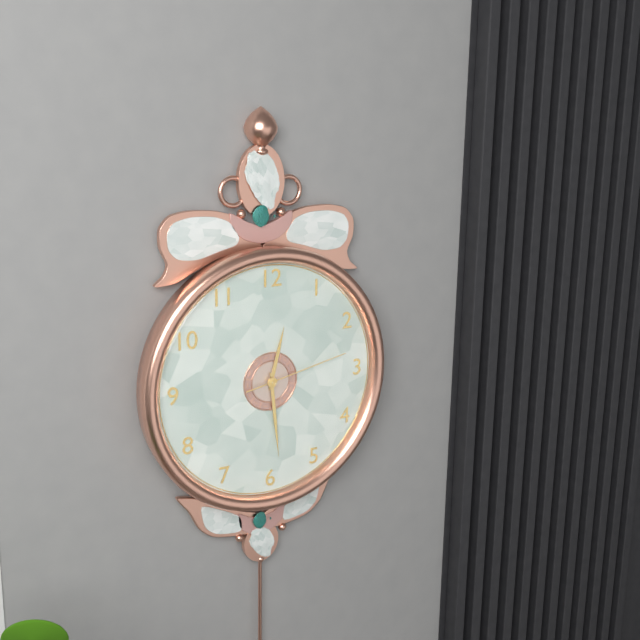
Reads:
h=12 m=29 s=13
